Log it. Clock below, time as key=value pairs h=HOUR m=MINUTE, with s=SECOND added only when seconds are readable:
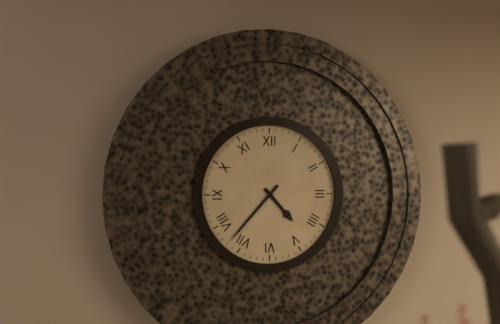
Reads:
h=4 m=37
